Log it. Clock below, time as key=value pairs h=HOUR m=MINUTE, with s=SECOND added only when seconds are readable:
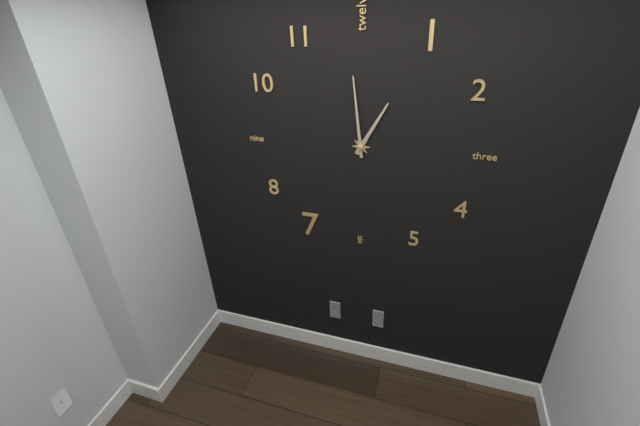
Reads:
h=12 m=59
